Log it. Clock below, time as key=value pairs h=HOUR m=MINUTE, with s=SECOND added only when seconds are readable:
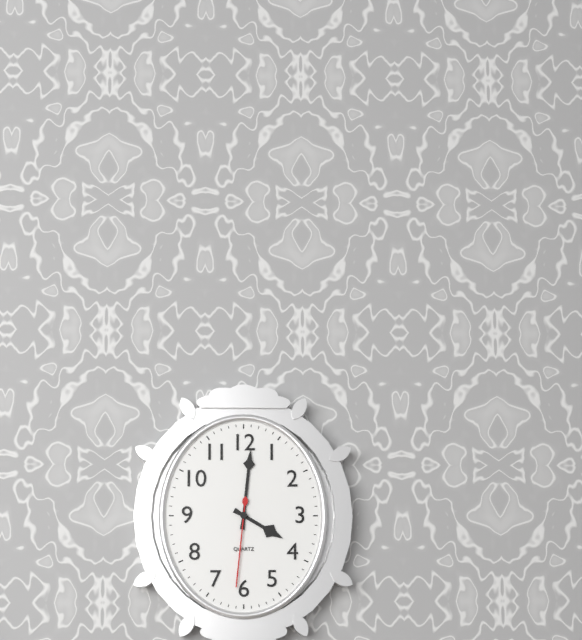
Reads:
h=4 m=1 s=31
